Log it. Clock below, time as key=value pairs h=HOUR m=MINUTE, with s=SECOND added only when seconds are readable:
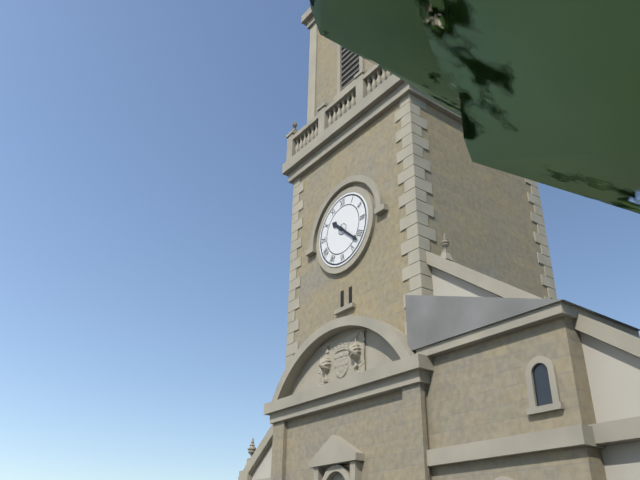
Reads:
h=10 m=22
